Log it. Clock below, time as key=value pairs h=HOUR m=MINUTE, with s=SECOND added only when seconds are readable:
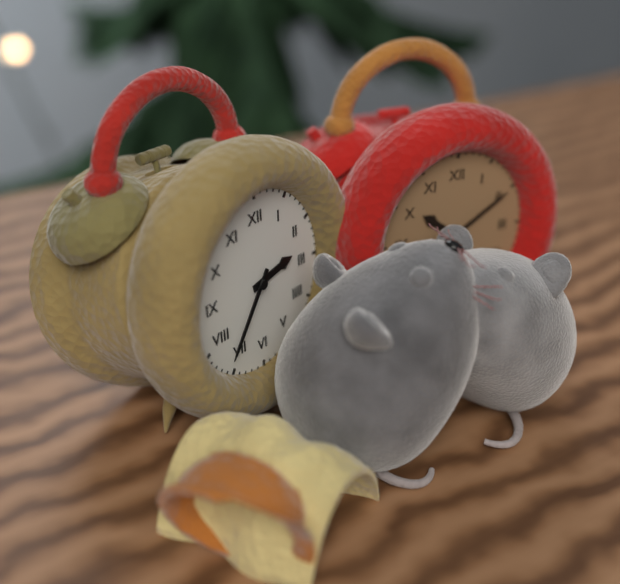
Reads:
h=2 m=36
